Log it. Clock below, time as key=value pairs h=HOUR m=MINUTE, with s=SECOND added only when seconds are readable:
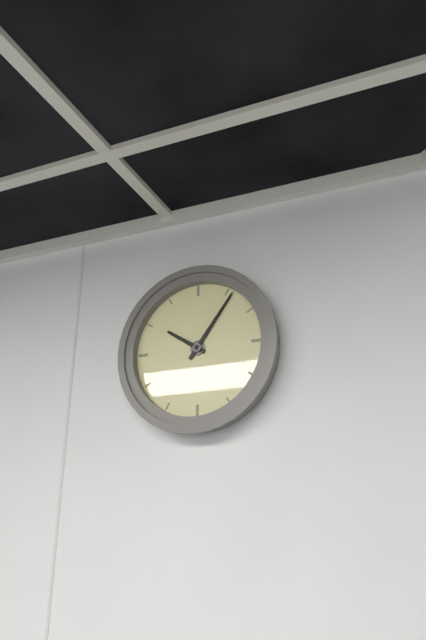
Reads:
h=10 m=6
